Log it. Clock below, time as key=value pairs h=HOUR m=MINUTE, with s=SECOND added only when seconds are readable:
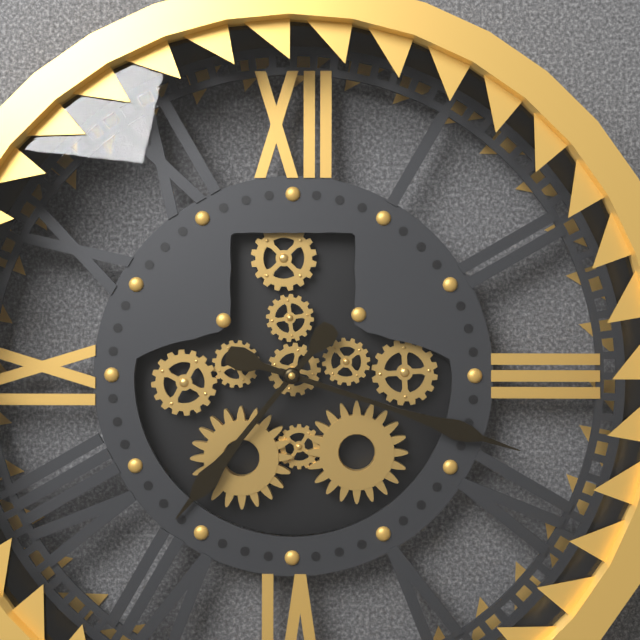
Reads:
h=7 m=18
